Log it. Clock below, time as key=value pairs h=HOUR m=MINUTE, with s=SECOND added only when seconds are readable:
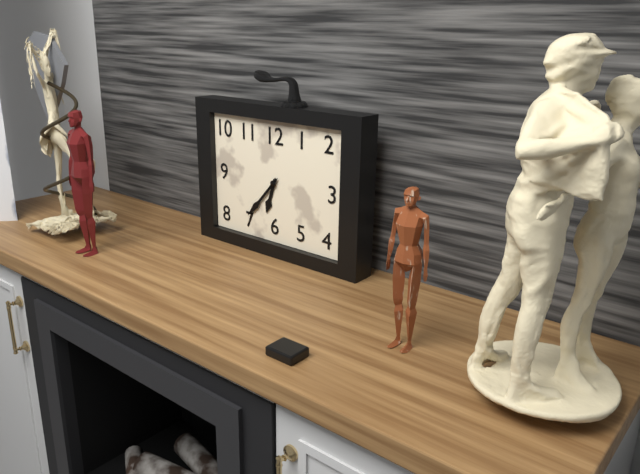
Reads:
h=6 m=37
